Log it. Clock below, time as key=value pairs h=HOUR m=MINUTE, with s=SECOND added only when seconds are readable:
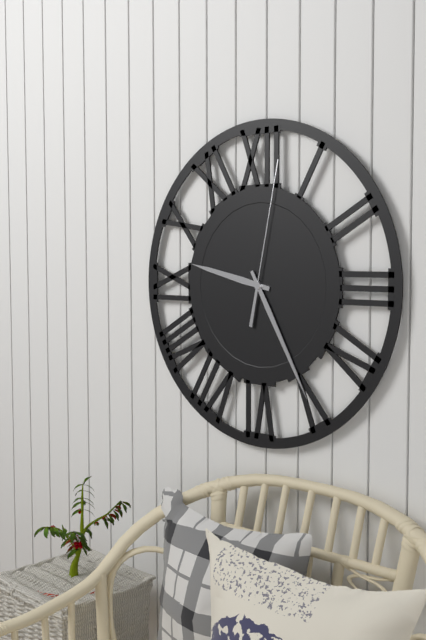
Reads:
h=9 m=25 s=2
